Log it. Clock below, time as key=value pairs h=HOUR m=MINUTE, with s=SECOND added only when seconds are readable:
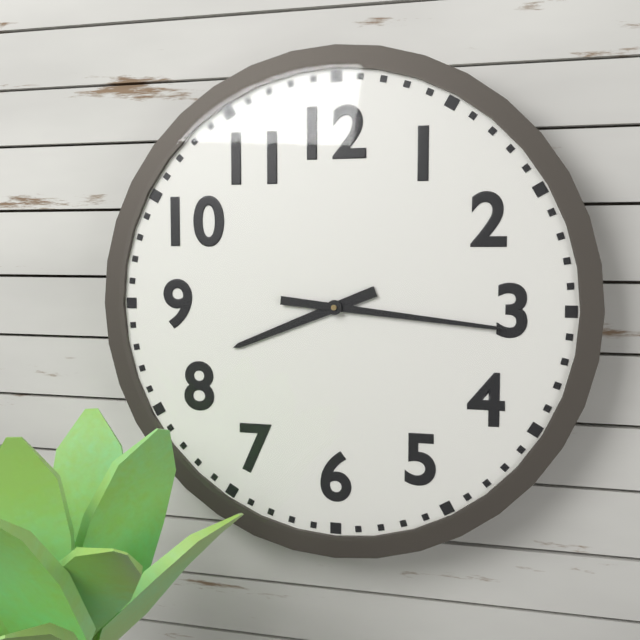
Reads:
h=8 m=16
